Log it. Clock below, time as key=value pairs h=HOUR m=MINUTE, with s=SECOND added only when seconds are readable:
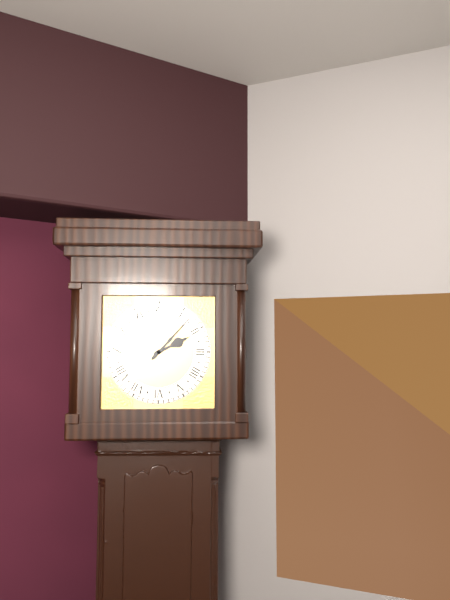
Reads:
h=2 m=7
